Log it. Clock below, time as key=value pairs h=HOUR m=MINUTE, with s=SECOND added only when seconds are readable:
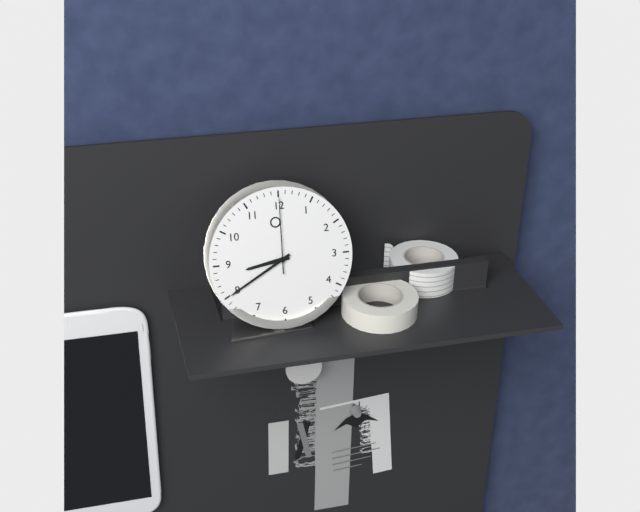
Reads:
h=8 m=40 s=0
